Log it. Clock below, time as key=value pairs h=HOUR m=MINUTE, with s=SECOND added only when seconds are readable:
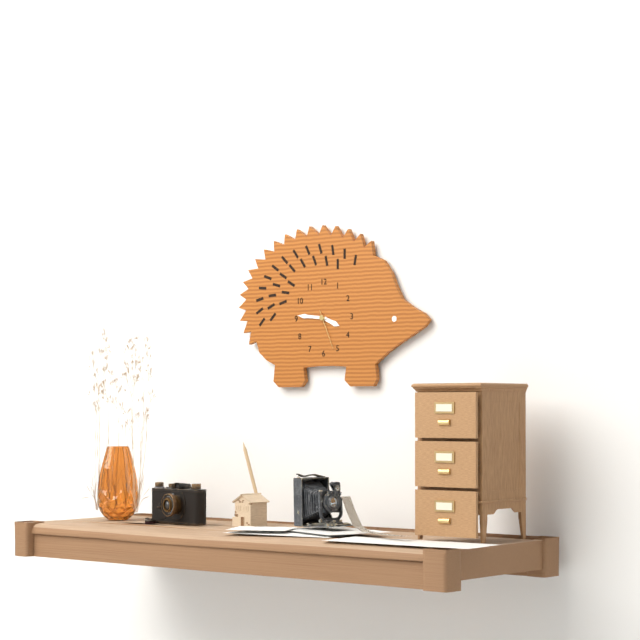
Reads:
h=3 m=46
